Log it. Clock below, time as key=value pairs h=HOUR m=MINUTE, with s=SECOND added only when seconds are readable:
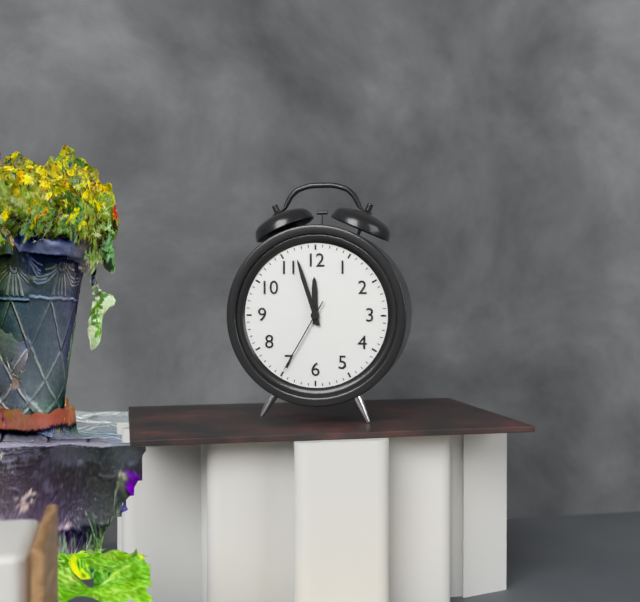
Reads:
h=11 m=57 s=35
